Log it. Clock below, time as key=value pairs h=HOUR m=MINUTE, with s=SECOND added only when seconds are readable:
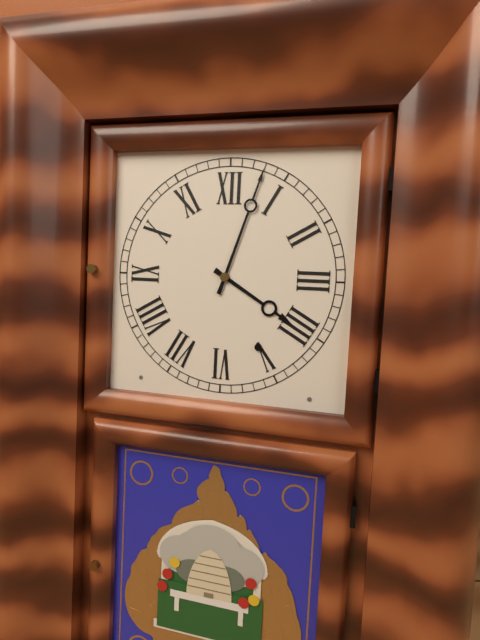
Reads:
h=4 m=3
